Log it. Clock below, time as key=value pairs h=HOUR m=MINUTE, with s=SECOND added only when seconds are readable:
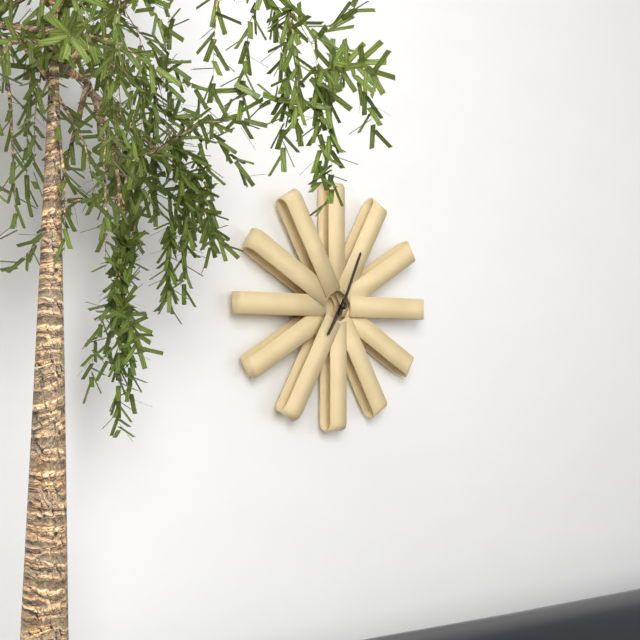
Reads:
h=7 m=4
